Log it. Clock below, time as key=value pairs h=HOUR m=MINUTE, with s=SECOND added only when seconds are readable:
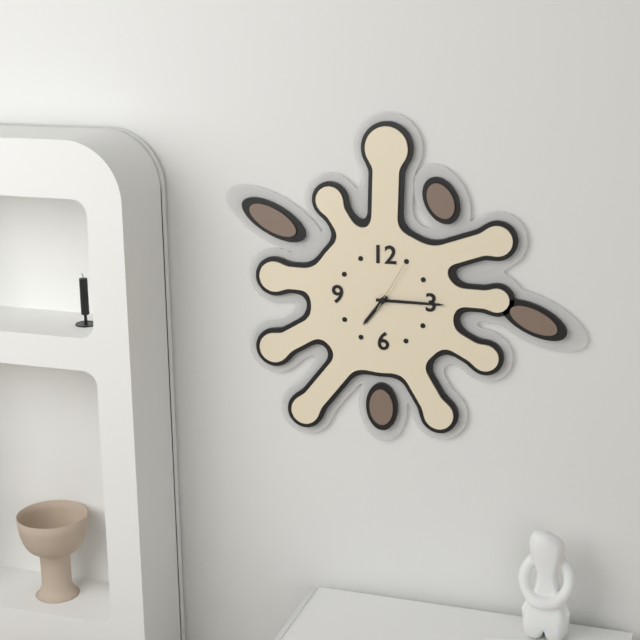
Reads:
h=7 m=15 s=5
